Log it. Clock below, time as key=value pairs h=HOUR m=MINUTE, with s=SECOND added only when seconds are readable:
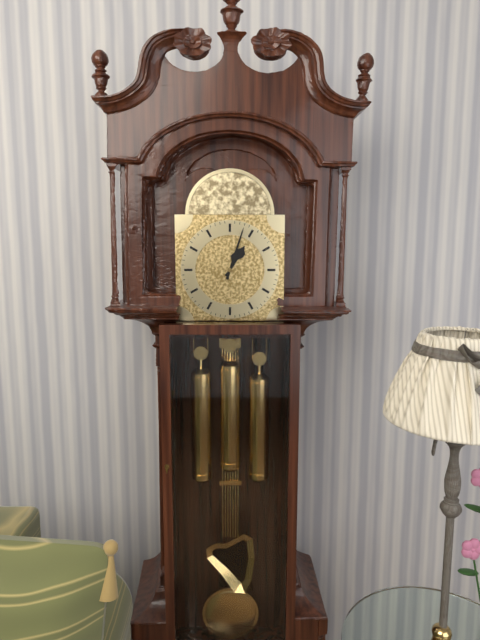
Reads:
h=1 m=3
